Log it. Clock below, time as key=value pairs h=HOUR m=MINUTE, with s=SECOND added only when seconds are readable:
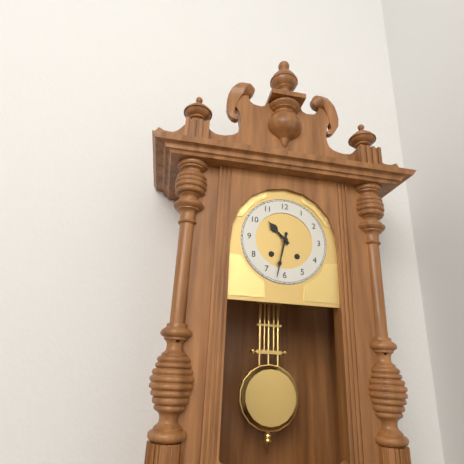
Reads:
h=10 m=32
